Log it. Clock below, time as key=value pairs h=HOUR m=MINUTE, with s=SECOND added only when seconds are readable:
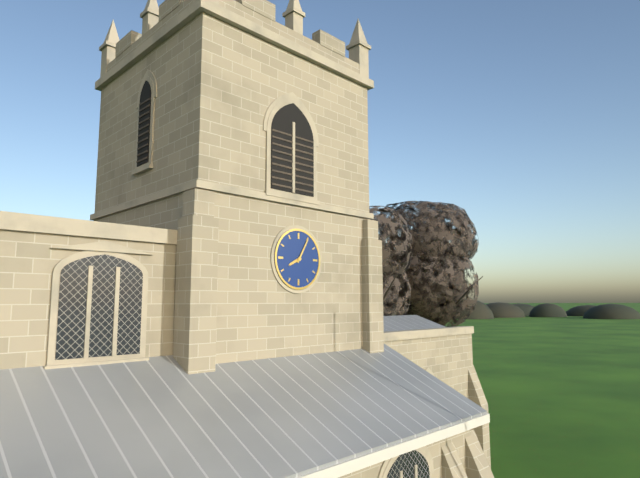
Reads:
h=8 m=5
